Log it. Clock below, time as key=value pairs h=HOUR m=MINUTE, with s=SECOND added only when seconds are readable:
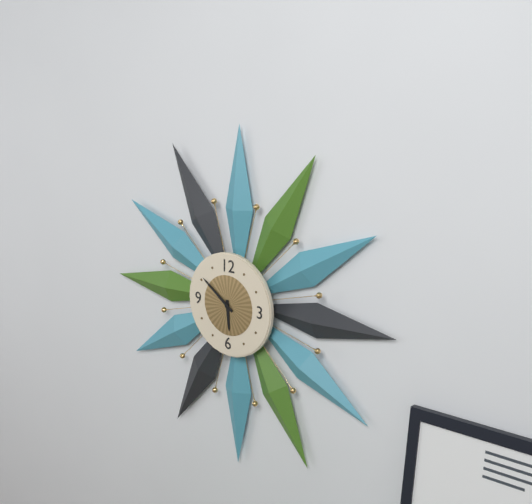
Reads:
h=5 m=51
